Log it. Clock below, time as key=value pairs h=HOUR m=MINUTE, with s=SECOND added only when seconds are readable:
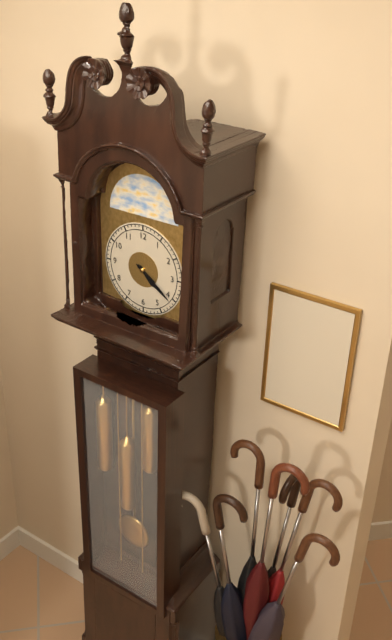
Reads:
h=4 m=21
